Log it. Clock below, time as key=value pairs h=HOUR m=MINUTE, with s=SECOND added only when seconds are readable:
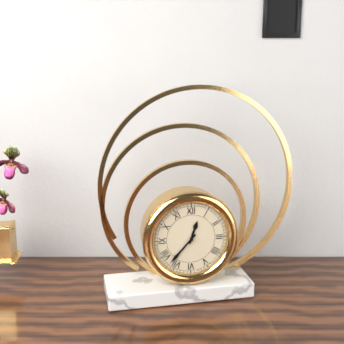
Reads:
h=12 m=37
